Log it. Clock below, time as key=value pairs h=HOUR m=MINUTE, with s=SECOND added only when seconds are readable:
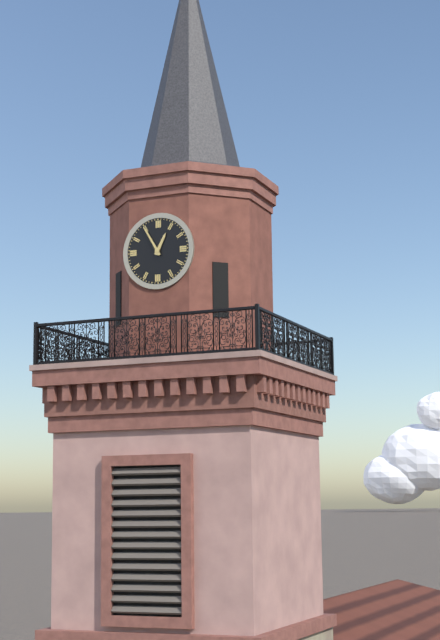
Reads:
h=12 m=55
